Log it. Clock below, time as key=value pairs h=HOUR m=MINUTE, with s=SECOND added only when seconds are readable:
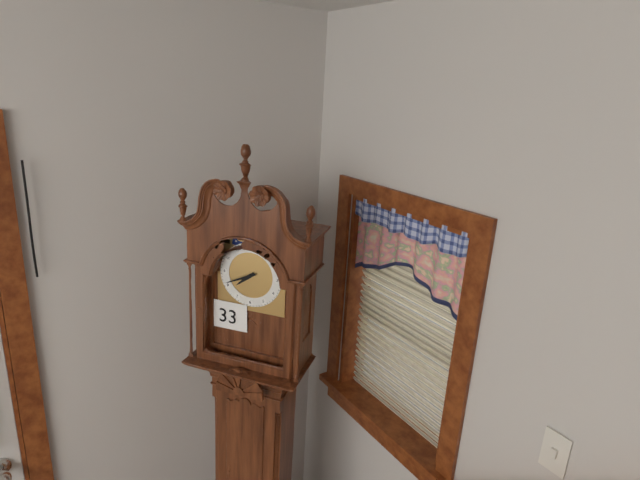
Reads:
h=7 m=41
